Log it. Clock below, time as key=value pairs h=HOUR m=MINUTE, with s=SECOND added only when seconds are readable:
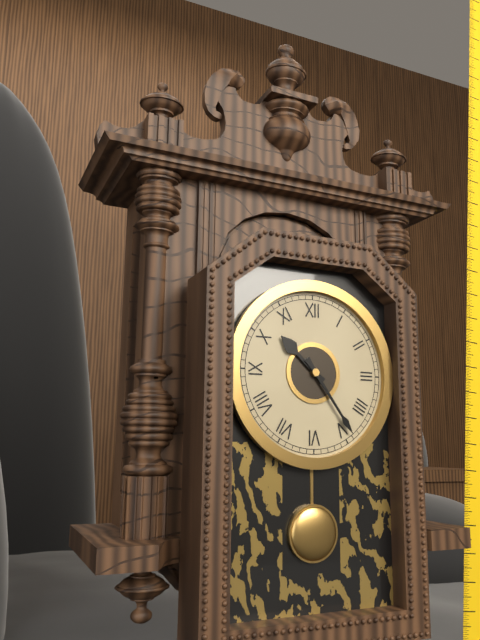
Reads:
h=10 m=24
